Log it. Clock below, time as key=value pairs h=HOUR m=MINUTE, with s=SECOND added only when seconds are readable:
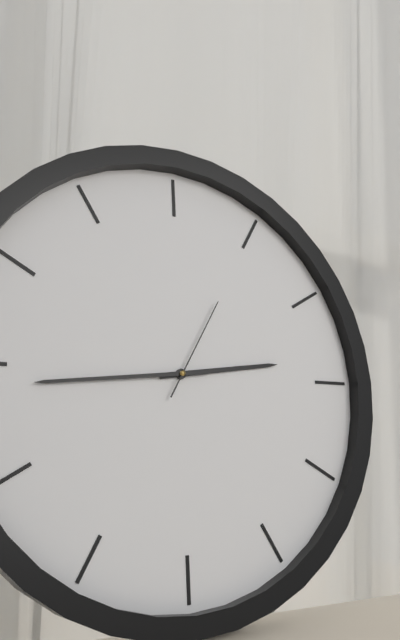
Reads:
h=2 m=44 s=5
